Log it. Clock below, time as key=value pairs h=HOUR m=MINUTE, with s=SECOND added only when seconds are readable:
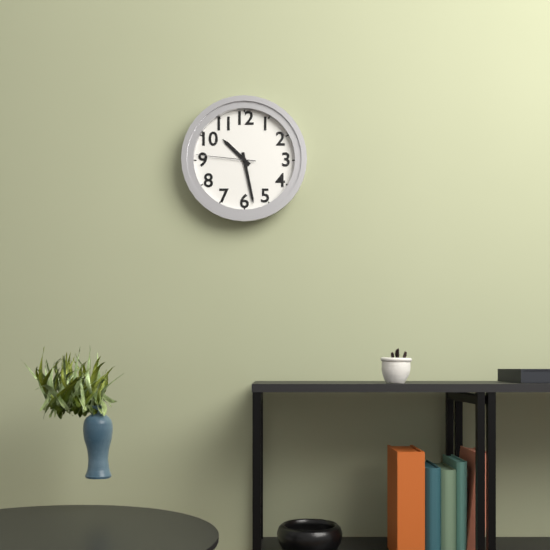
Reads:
h=10 m=28 s=46
